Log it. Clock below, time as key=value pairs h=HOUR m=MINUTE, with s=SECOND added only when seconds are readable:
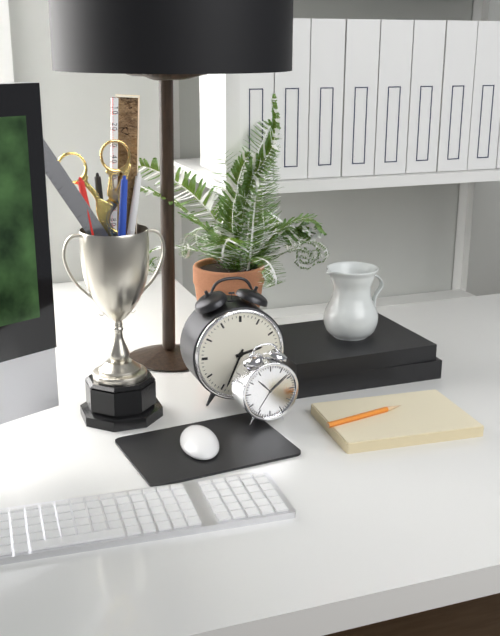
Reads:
h=2 m=34
